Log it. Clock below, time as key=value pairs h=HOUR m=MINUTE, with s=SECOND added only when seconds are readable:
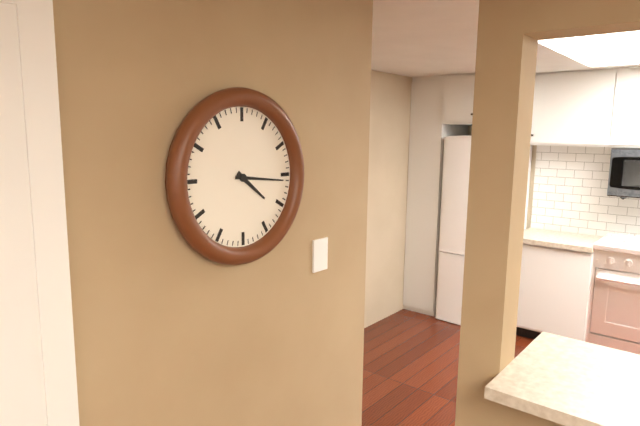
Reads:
h=4 m=16
